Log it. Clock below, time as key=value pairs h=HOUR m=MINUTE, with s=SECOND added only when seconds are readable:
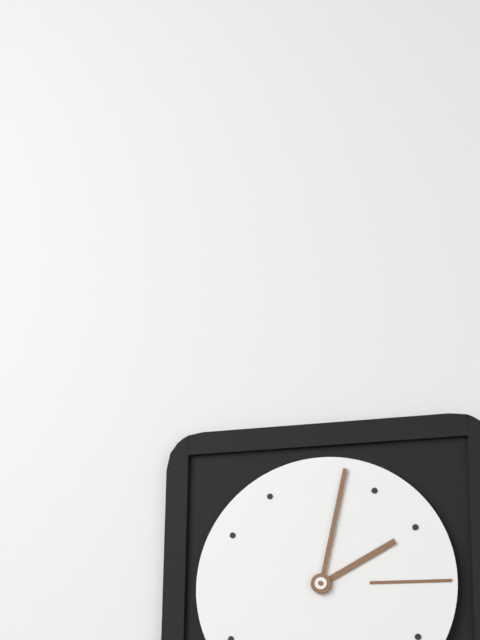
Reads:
h=2 m=2
